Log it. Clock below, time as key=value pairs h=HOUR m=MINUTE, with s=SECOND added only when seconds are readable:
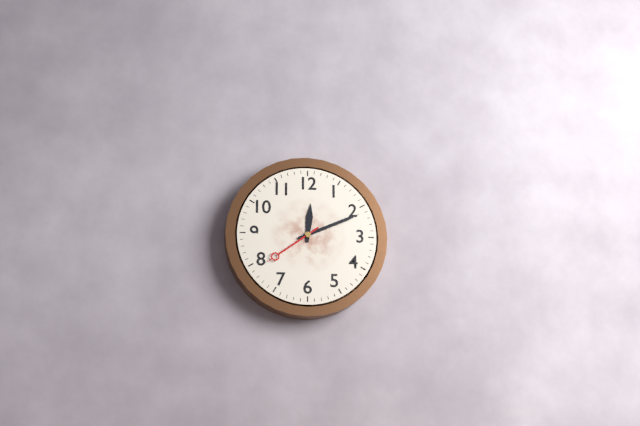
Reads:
h=12 m=11 s=39
